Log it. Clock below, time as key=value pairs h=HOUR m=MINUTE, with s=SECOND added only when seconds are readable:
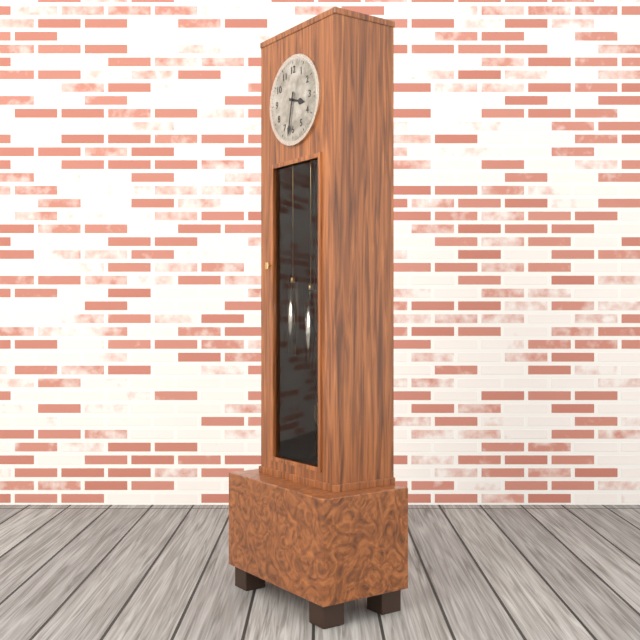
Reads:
h=3 m=32
